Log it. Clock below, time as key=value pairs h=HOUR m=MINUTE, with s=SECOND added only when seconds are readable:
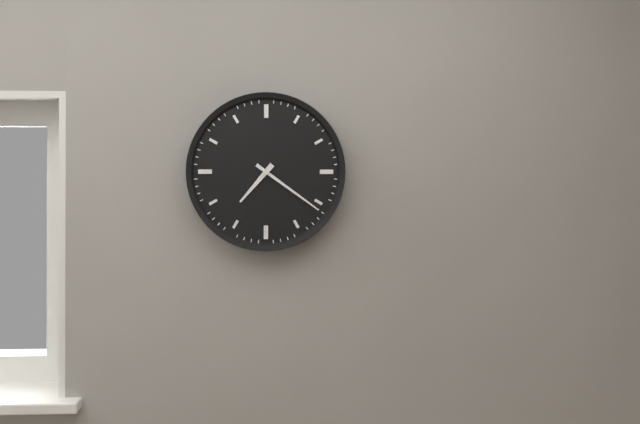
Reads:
h=7 m=21
